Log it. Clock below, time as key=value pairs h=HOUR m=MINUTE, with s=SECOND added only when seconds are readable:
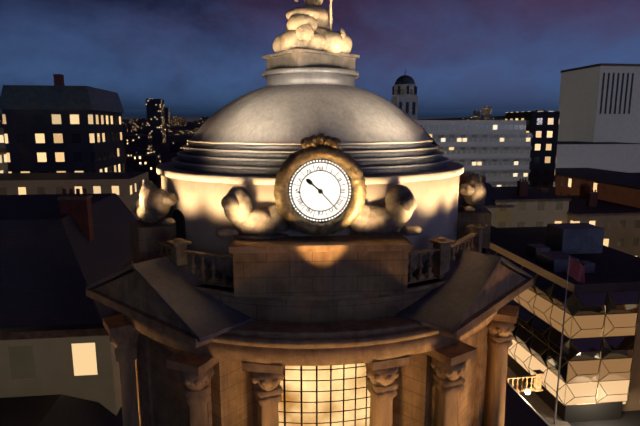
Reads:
h=10 m=23
